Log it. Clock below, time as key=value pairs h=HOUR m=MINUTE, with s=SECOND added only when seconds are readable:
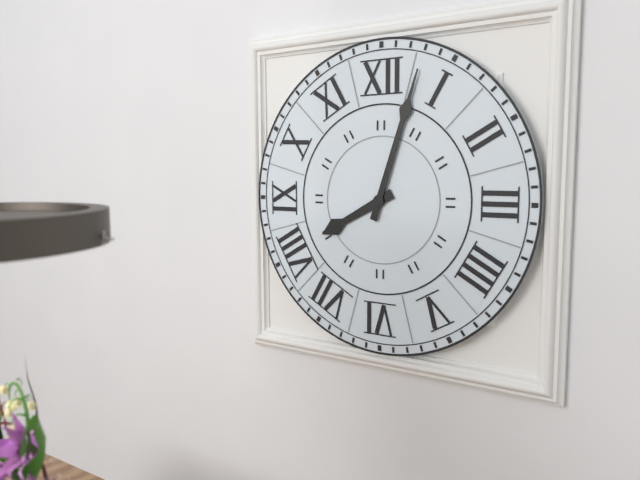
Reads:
h=8 m=3
